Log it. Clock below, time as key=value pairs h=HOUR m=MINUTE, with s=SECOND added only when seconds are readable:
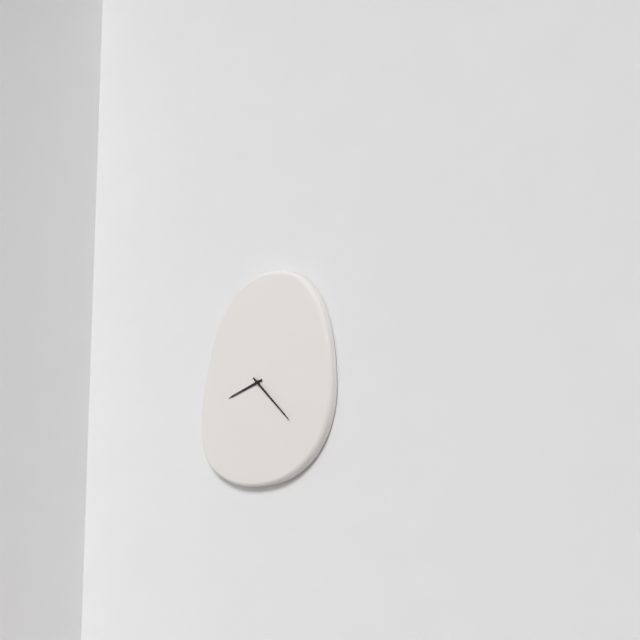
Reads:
h=8 m=22
